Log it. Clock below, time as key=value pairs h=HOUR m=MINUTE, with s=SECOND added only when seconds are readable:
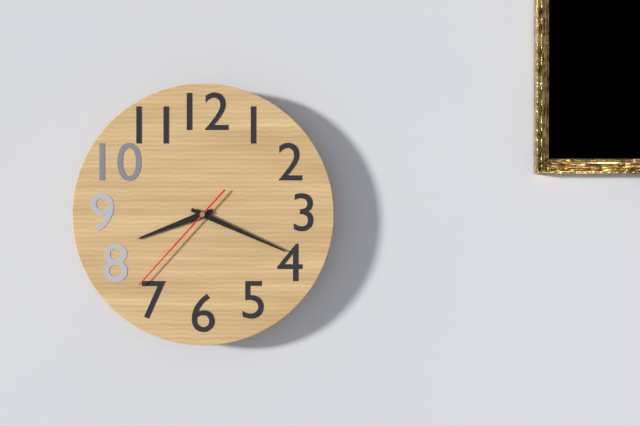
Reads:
h=8 m=19 s=37
